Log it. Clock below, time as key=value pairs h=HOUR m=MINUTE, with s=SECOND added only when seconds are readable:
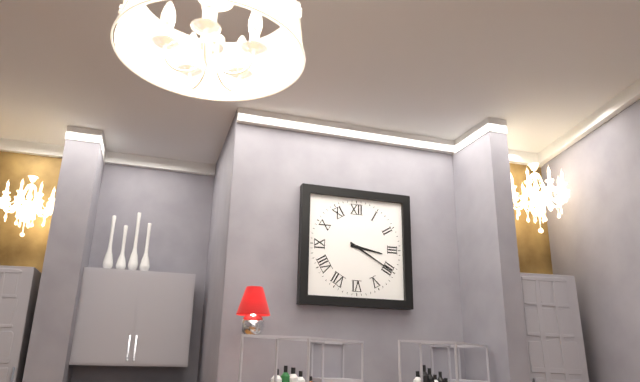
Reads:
h=3 m=20
